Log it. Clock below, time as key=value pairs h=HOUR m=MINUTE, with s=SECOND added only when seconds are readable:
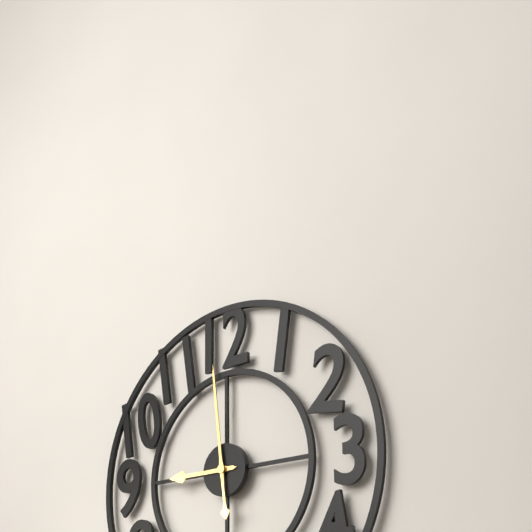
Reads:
h=8 m=59
